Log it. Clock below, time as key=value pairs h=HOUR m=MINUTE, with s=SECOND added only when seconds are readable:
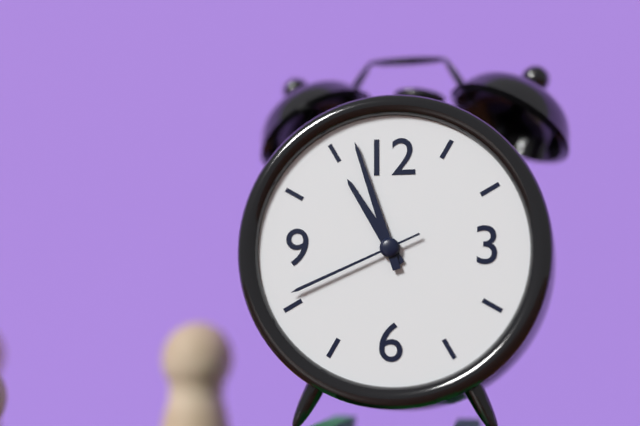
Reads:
h=10 m=57 s=41
